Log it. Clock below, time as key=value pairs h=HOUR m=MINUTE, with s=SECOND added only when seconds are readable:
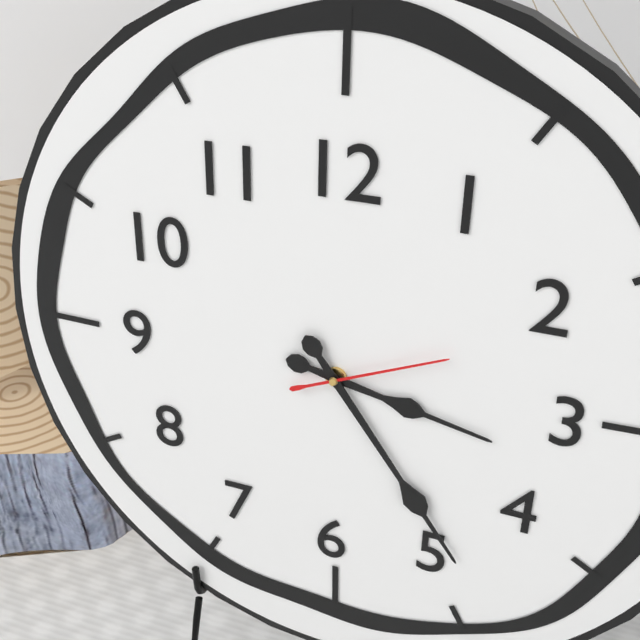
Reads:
h=3 m=24 s=11
